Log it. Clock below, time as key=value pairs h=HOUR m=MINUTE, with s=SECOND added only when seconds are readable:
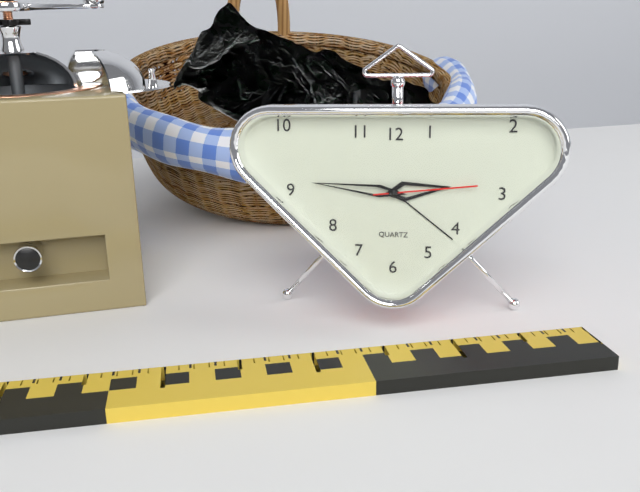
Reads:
h=2 m=46 s=14
